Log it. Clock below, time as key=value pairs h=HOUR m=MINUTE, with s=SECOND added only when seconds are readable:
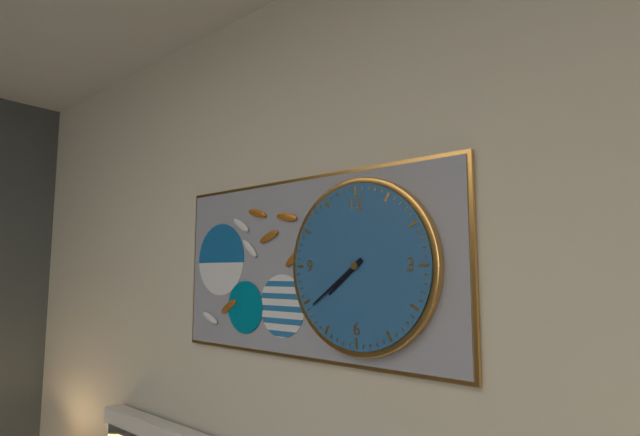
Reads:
h=7 m=39
